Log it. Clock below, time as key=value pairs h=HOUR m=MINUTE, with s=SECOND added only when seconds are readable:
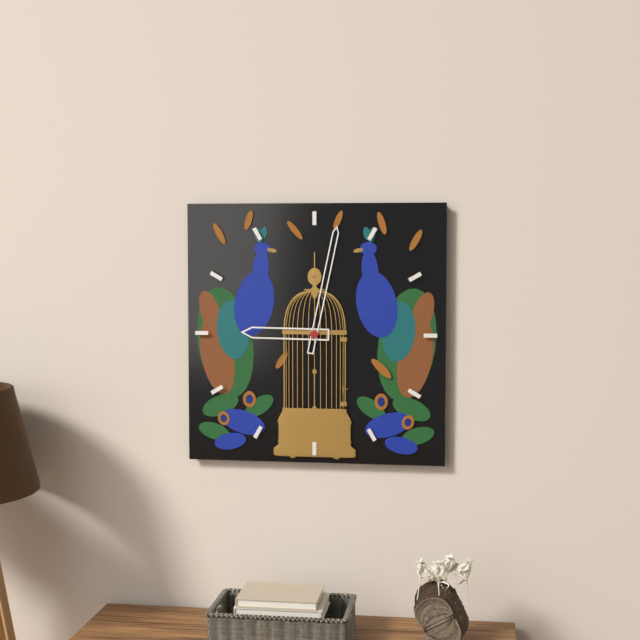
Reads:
h=9 m=2
